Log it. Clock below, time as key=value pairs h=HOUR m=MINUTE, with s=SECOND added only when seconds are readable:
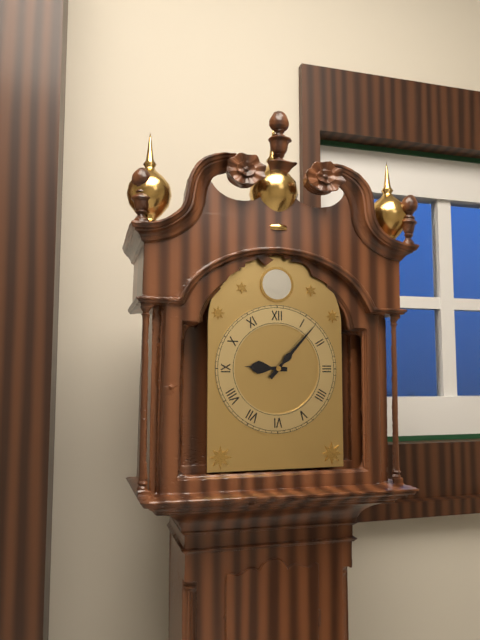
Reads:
h=9 m=7
